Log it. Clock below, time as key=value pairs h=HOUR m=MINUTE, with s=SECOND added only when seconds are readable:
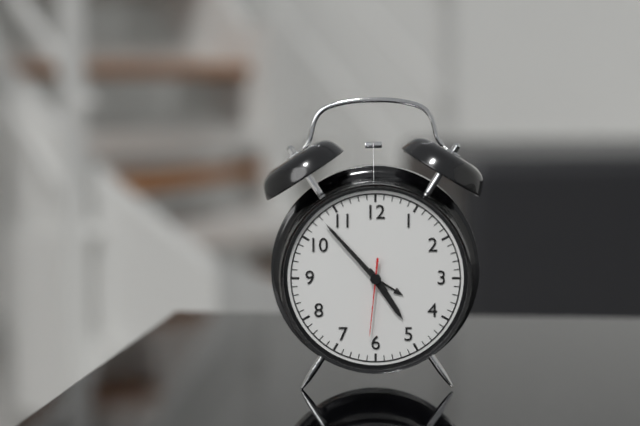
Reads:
h=4 m=53 s=31
